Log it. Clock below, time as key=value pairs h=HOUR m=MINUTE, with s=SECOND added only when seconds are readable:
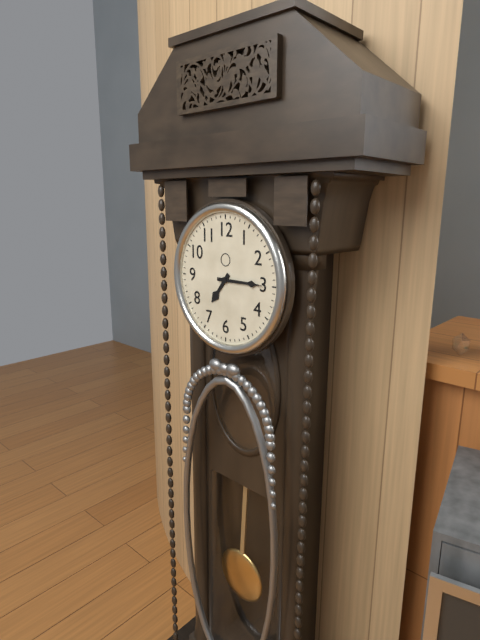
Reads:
h=7 m=15
